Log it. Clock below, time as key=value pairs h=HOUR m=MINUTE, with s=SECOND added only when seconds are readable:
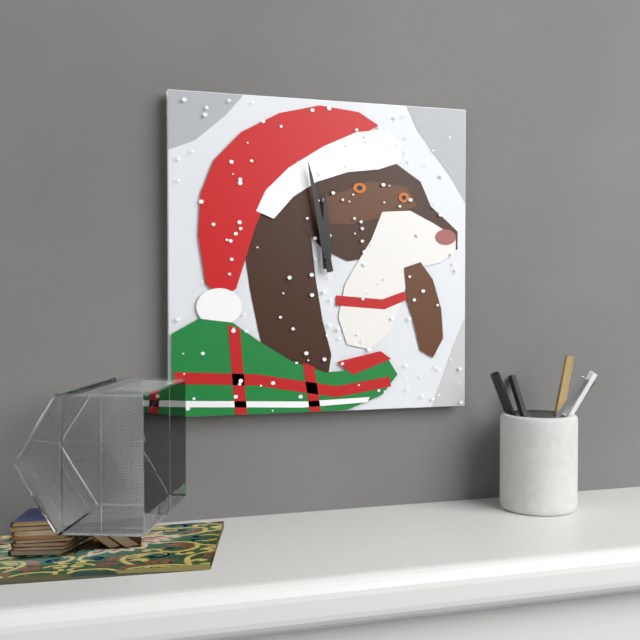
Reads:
h=11 m=58
